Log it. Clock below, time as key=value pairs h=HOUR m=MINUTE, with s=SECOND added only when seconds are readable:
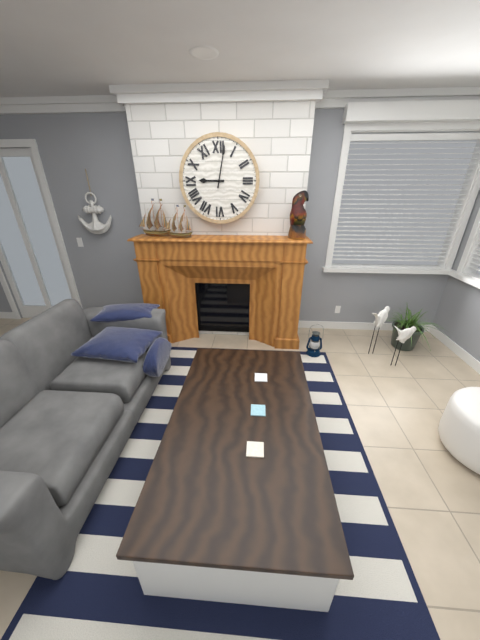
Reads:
h=9 m=2
